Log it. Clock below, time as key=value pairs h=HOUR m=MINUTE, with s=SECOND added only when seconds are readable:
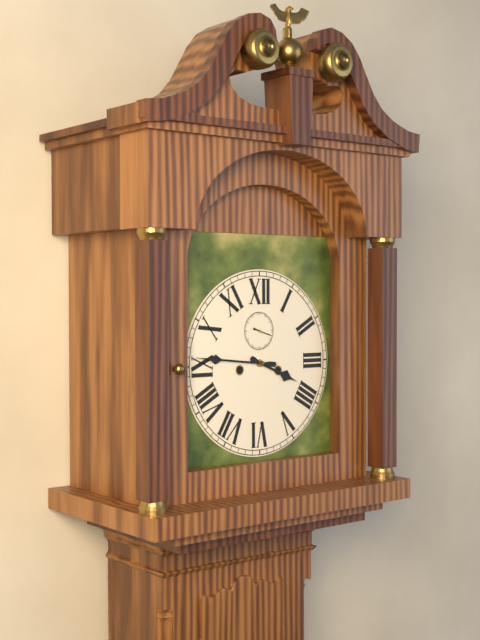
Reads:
h=3 m=46
